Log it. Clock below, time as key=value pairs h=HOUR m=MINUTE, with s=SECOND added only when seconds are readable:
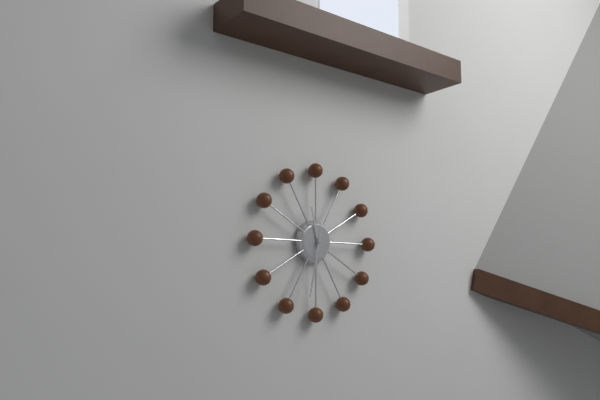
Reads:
h=11 m=32
